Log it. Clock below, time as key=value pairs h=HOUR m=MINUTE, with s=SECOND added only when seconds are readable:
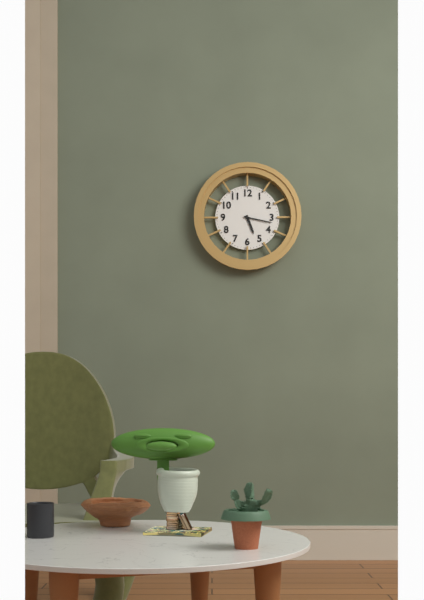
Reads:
h=5 m=17
